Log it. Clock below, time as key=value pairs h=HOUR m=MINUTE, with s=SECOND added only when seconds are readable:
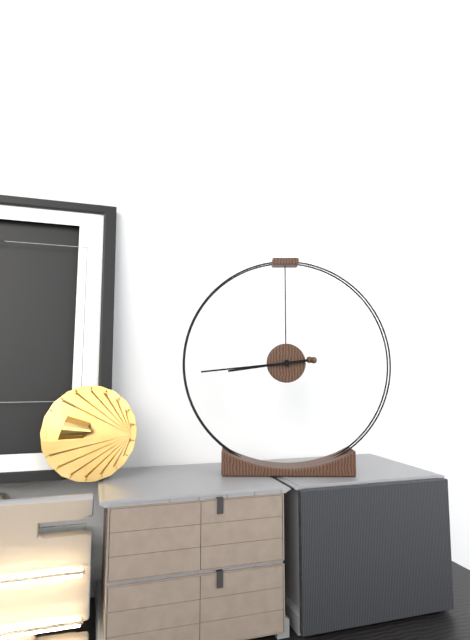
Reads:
h=8 m=44
